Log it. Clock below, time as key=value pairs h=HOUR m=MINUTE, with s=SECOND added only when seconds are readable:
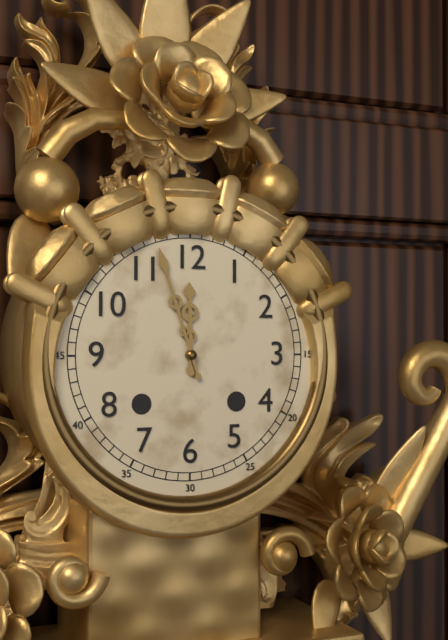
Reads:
h=11 m=57
